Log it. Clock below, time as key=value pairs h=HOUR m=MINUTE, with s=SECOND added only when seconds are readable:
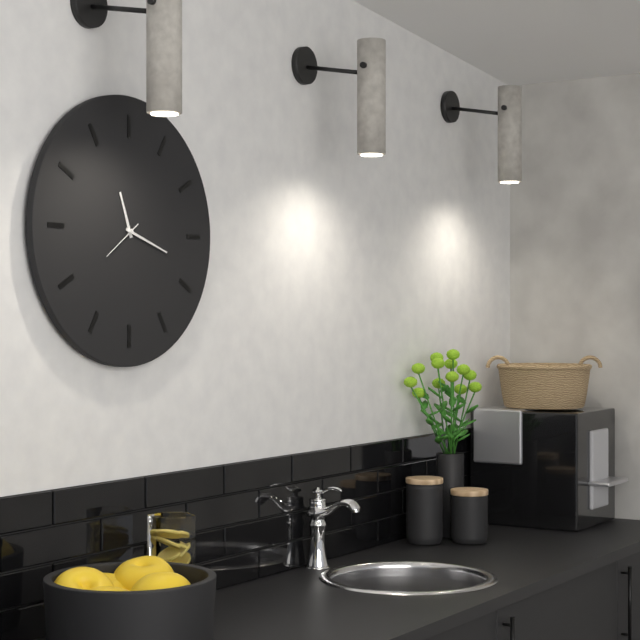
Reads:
h=11 m=18
